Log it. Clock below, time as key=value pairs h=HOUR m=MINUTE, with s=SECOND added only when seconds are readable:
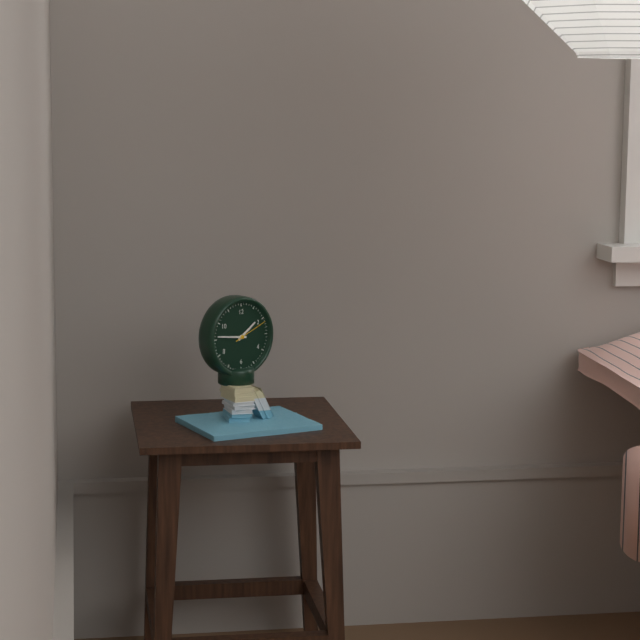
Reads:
h=1 m=46
